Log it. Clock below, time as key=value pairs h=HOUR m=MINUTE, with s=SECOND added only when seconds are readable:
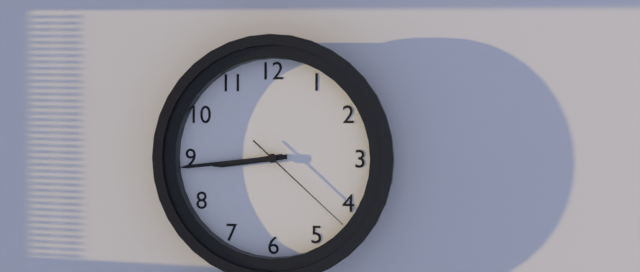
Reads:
h=8 m=44 s=22
